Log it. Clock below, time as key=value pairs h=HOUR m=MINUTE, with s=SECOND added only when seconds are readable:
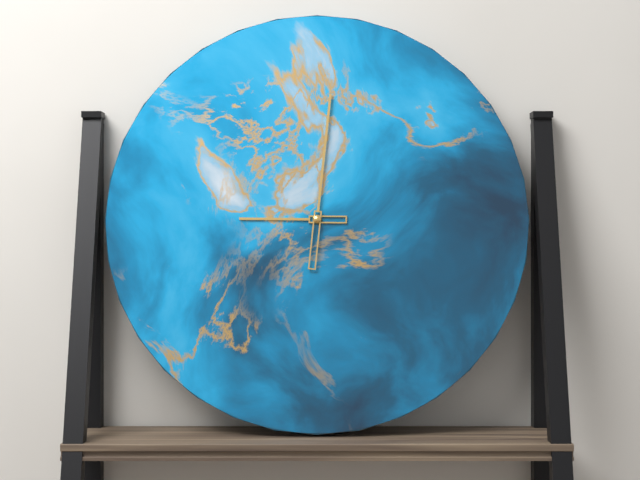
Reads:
h=9 m=1
